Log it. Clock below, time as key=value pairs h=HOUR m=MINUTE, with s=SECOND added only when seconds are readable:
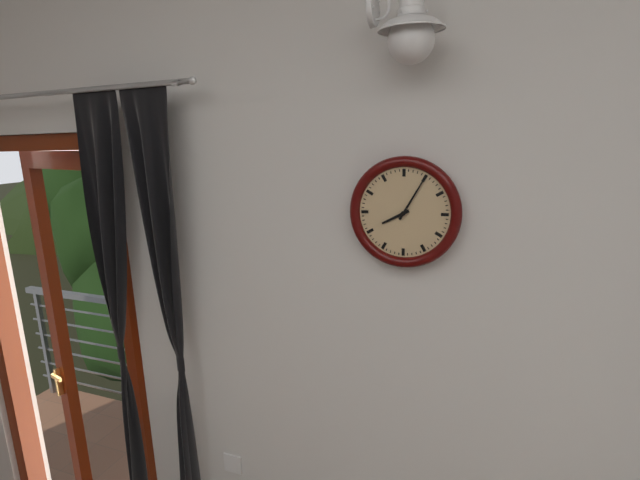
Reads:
h=8 m=5
